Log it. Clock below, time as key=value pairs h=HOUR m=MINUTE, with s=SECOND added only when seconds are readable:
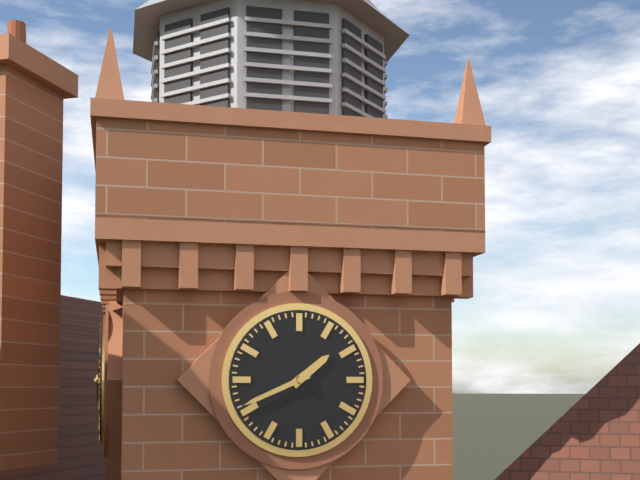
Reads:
h=1 m=41
